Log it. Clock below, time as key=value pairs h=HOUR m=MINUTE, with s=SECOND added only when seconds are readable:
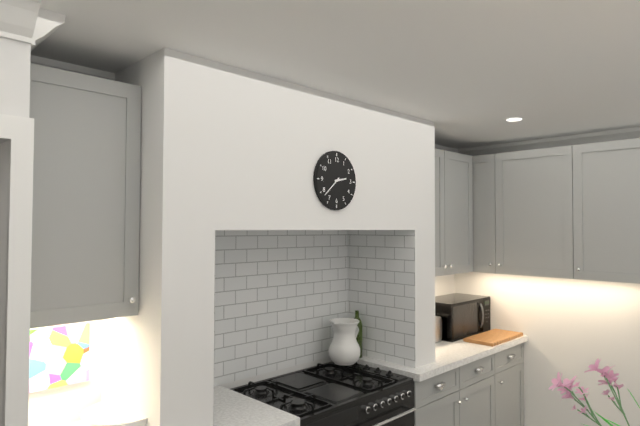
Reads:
h=2 m=38
